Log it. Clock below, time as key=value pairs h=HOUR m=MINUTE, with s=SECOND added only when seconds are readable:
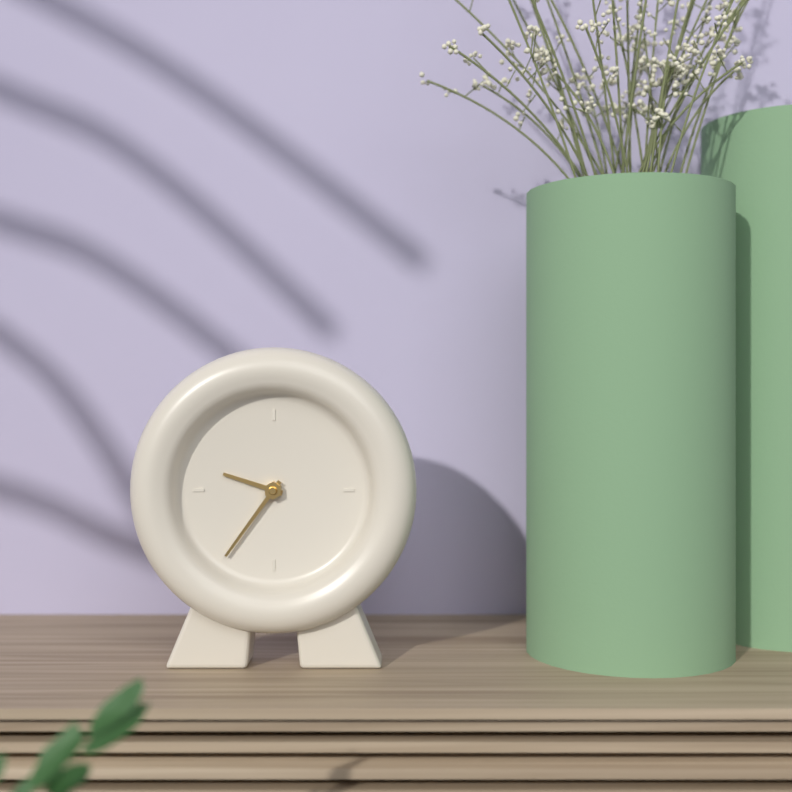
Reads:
h=9 m=36
